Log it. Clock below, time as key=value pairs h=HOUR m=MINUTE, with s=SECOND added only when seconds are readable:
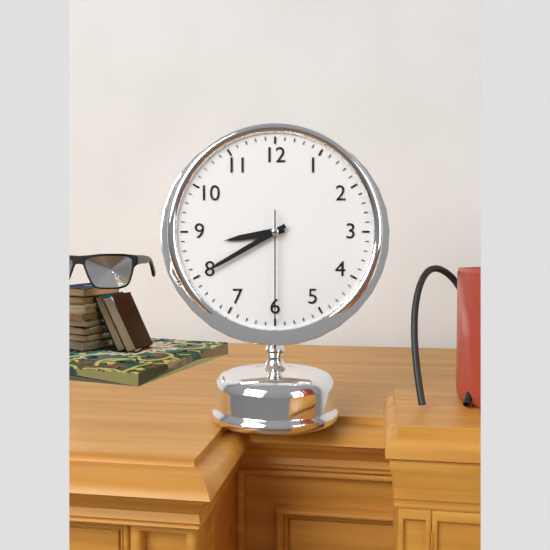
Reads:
h=8 m=40 s=30
